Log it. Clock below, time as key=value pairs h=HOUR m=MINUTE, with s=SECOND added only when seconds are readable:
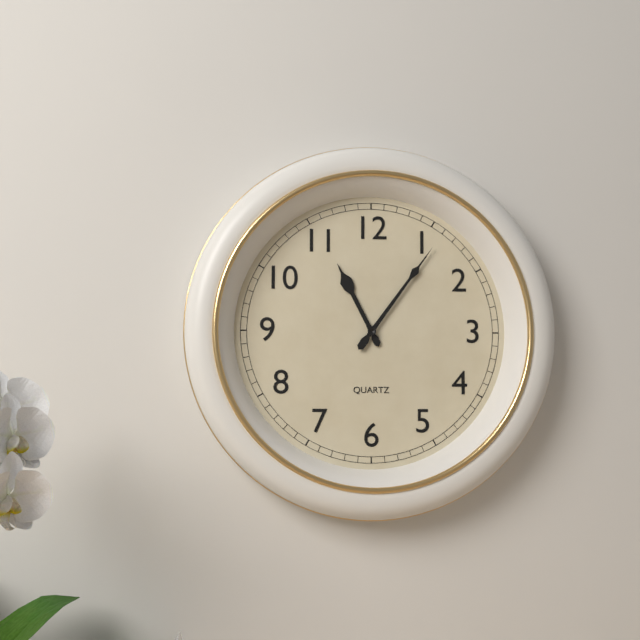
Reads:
h=11 m=6
